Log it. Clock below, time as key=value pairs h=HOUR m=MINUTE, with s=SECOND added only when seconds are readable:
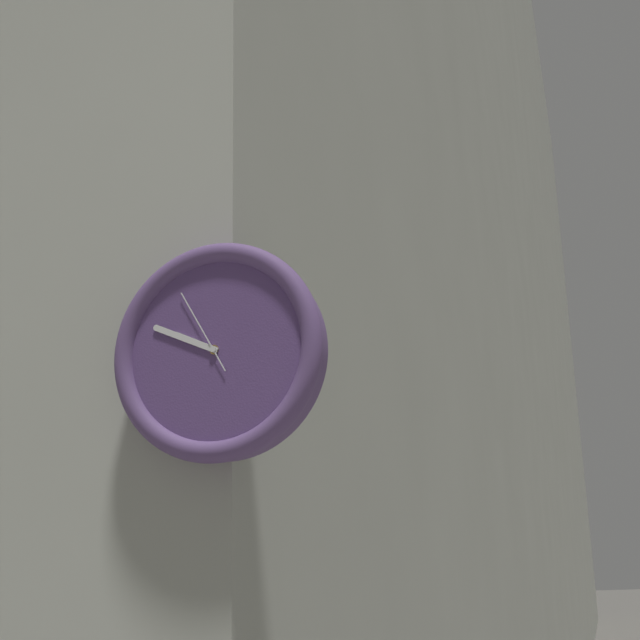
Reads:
h=9 m=49 s=55
